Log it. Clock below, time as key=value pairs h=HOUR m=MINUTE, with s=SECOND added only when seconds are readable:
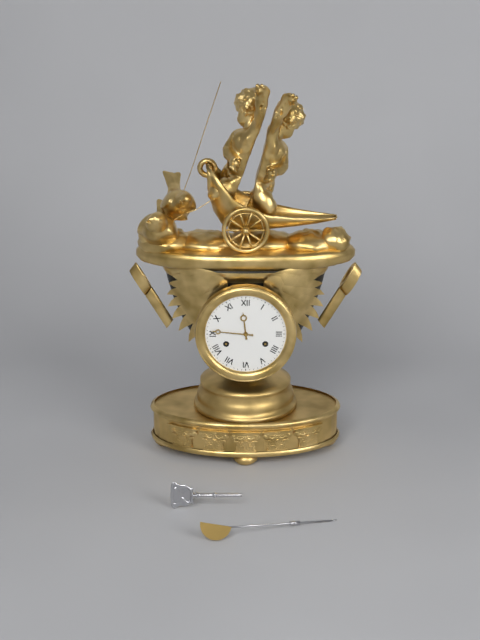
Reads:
h=11 m=46
